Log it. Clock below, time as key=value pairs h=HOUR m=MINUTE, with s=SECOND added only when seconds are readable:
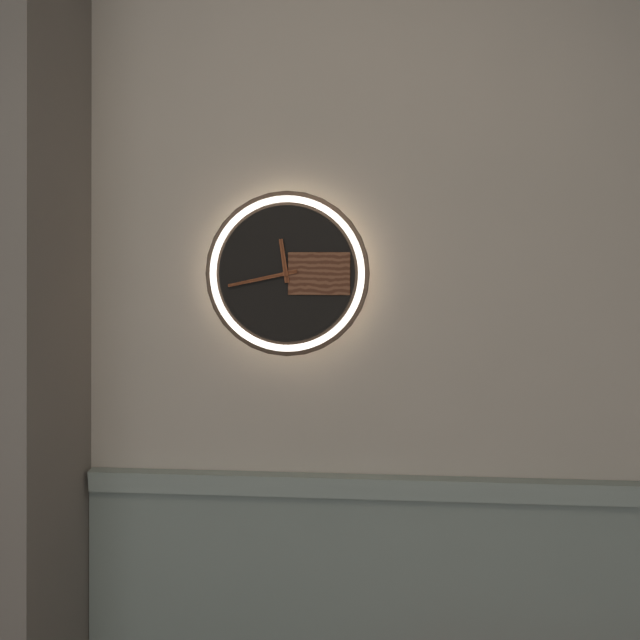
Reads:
h=11 m=43
